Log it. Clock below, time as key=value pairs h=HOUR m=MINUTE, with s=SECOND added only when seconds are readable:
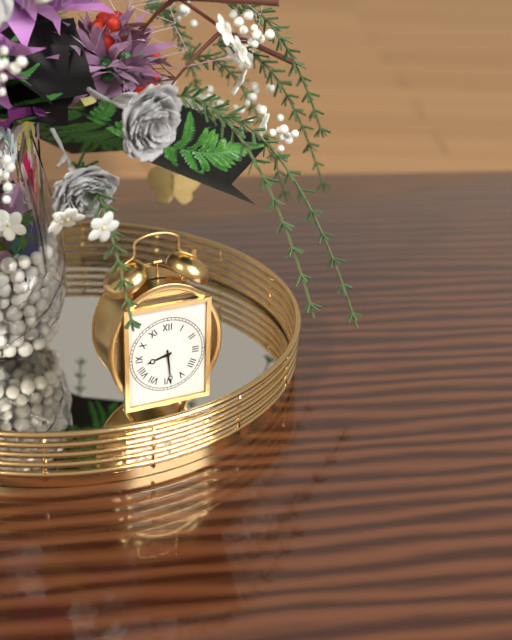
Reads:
h=8 m=29
